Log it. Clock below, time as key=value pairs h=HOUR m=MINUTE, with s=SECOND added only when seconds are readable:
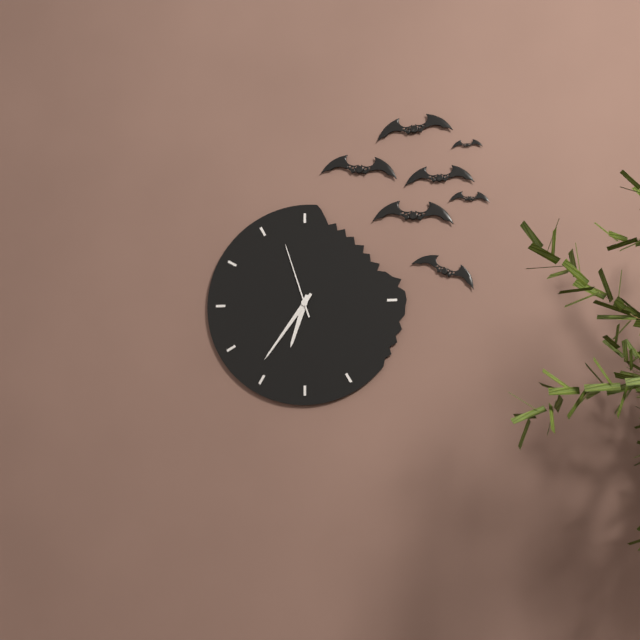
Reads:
h=6 m=36 s=57
